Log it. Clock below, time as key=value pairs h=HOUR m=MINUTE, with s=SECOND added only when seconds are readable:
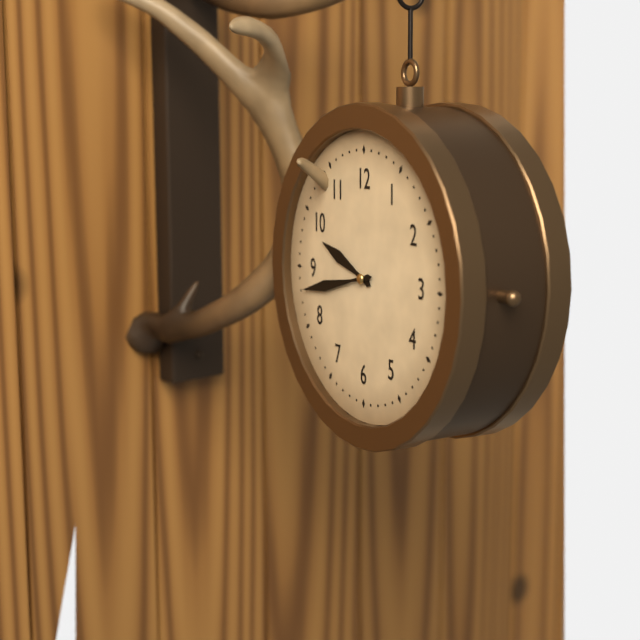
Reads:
h=9 m=43
